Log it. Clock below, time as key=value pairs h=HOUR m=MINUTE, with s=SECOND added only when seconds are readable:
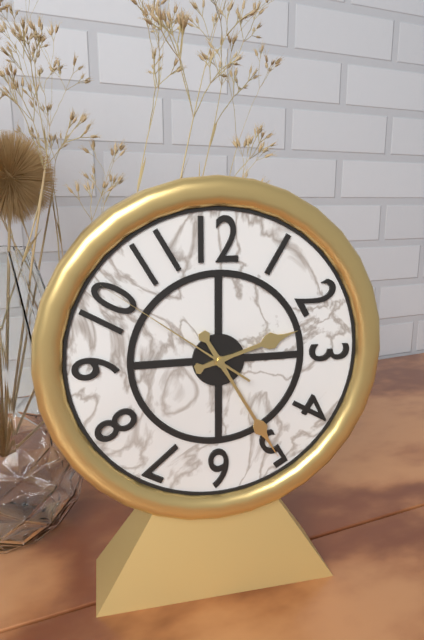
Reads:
h=2 m=25 s=51
